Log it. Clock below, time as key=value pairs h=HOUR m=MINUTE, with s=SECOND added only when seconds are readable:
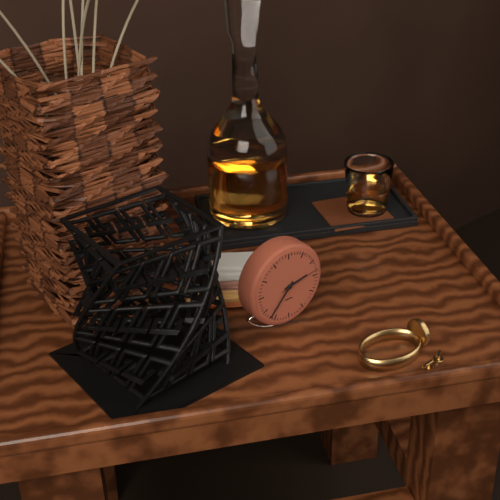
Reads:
h=2 m=37
